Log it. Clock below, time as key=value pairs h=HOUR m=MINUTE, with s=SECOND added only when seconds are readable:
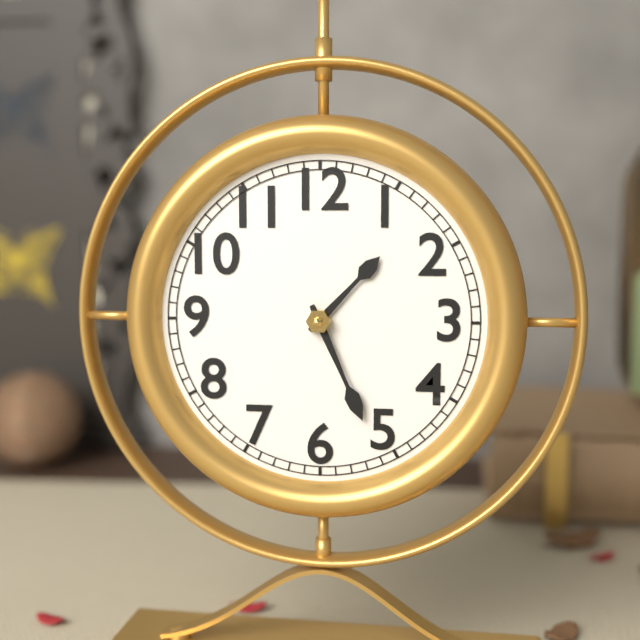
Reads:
h=1 m=26
